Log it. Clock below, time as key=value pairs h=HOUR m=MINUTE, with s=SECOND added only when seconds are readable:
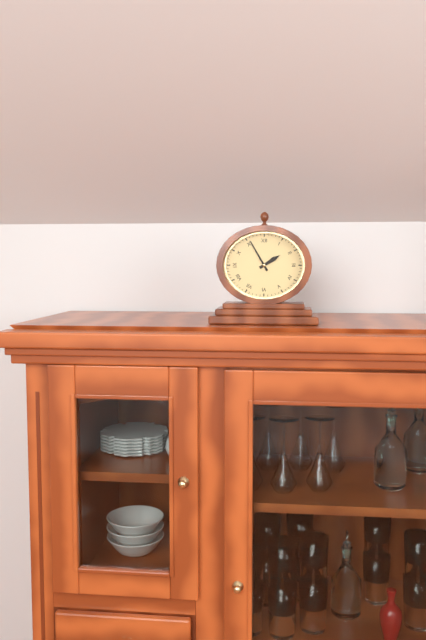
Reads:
h=1 m=55
